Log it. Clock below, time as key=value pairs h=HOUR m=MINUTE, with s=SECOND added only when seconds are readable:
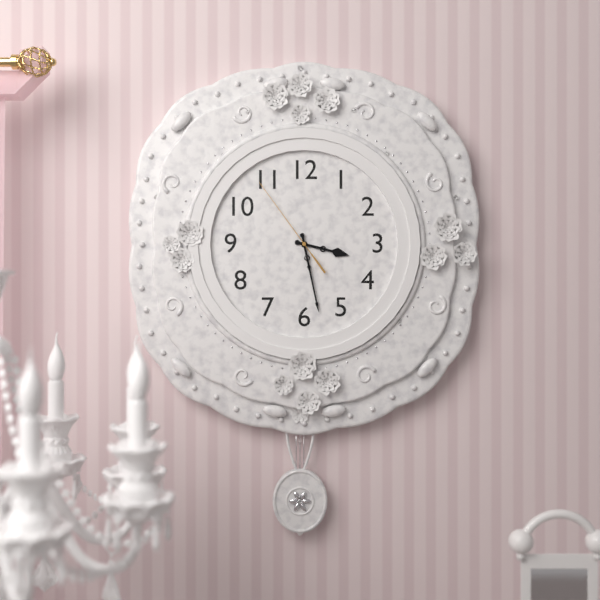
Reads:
h=3 m=28 s=54
